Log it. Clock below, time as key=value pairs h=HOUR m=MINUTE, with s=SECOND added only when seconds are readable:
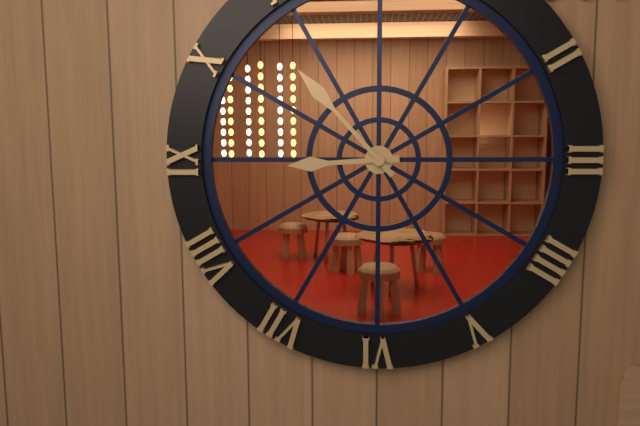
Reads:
h=8 m=53
